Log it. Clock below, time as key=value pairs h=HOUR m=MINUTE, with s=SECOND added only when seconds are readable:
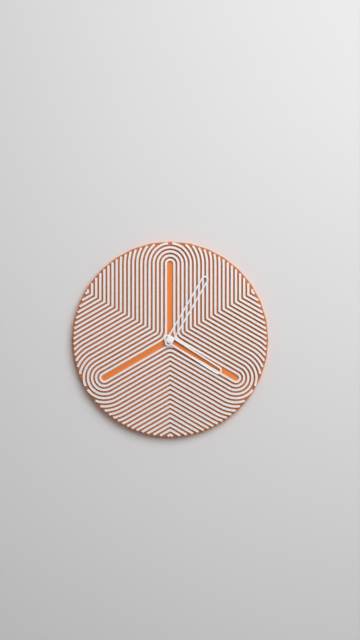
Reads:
h=4 m=5
